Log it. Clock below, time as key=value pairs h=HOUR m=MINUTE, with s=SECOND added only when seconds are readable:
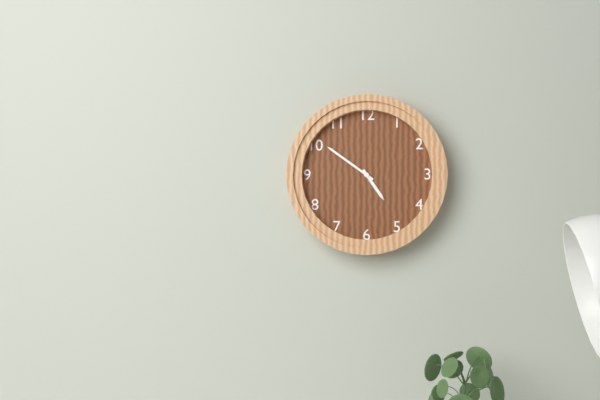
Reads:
h=4 m=51
